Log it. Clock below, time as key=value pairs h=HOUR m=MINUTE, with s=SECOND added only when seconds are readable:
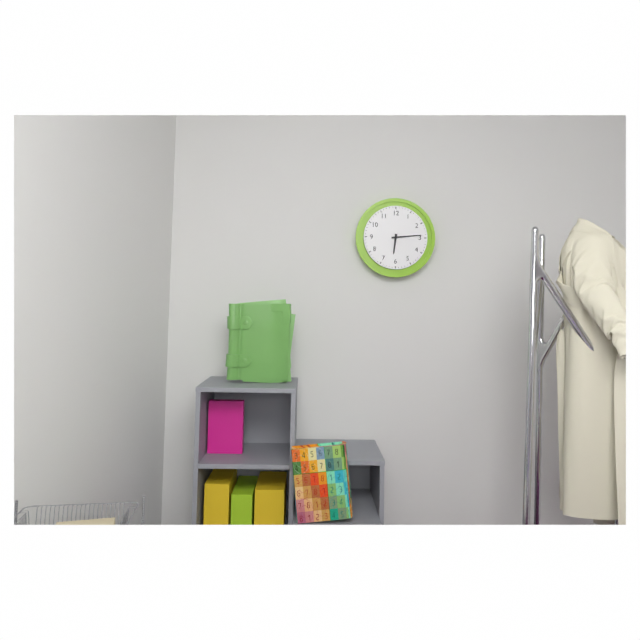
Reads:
h=6 m=14
